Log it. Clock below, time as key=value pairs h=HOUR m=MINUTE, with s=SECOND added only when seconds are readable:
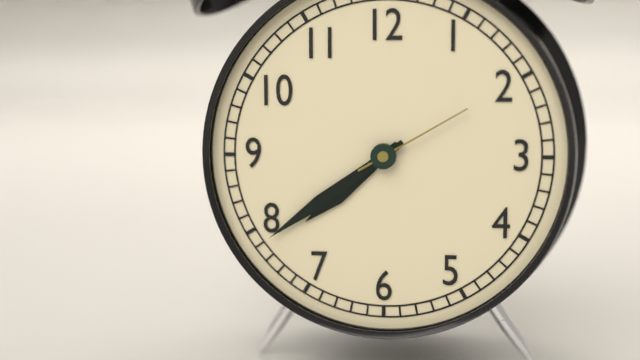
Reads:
h=7 m=39 s=10
